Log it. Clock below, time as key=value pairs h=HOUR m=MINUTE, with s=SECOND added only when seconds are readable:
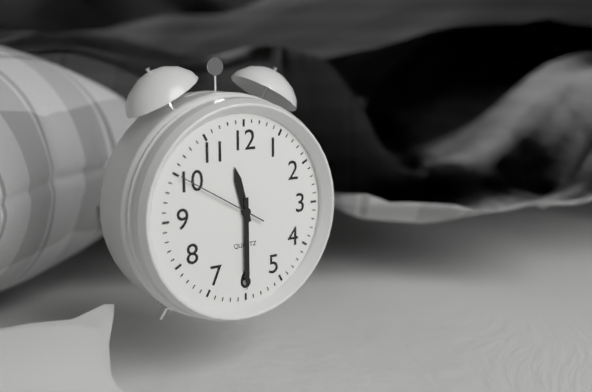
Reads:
h=11 m=30 s=50
